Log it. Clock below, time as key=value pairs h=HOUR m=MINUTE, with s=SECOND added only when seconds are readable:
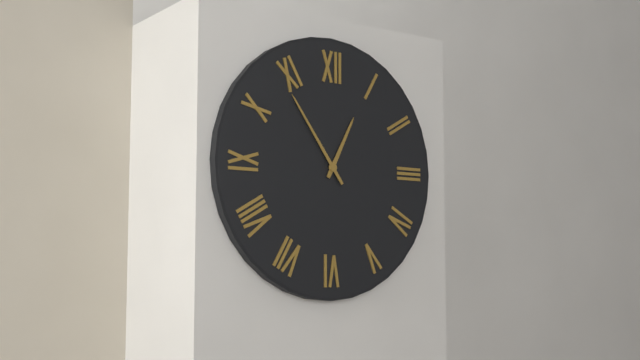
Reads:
h=12 m=54
